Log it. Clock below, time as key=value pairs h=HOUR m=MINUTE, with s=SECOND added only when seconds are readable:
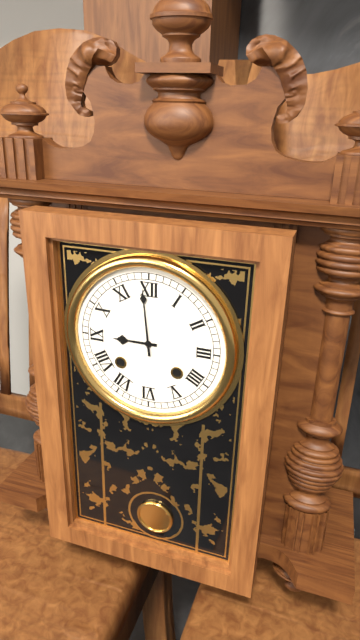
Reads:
h=8 m=59
